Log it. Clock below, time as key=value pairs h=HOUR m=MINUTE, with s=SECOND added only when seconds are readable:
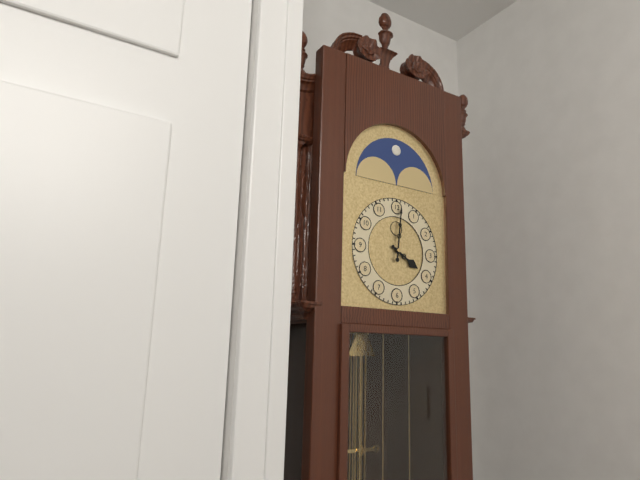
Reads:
h=4 m=1
